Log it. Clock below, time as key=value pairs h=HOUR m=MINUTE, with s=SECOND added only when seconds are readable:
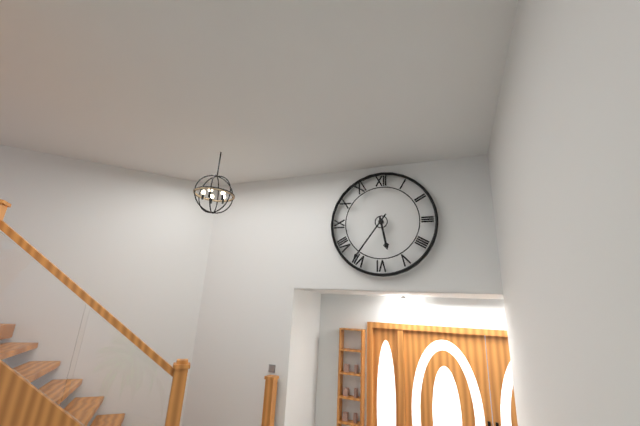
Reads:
h=5 m=36
